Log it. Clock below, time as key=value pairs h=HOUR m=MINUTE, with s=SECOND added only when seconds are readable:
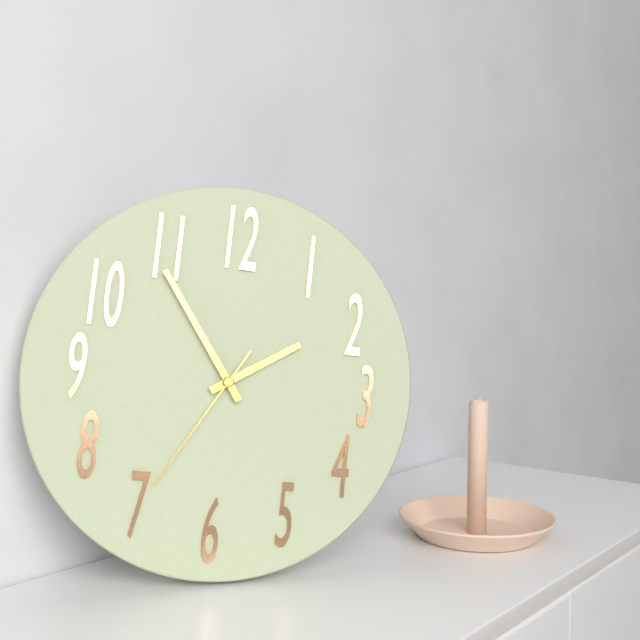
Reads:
h=1 m=54 s=35
